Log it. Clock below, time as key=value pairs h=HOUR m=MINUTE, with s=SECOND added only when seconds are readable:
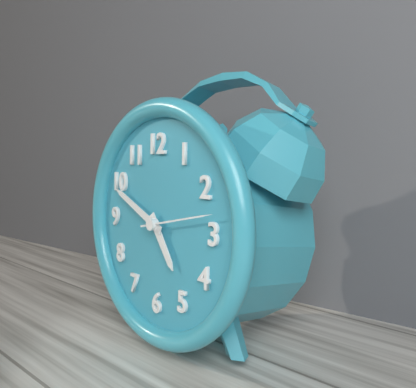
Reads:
h=4 m=49 s=13
